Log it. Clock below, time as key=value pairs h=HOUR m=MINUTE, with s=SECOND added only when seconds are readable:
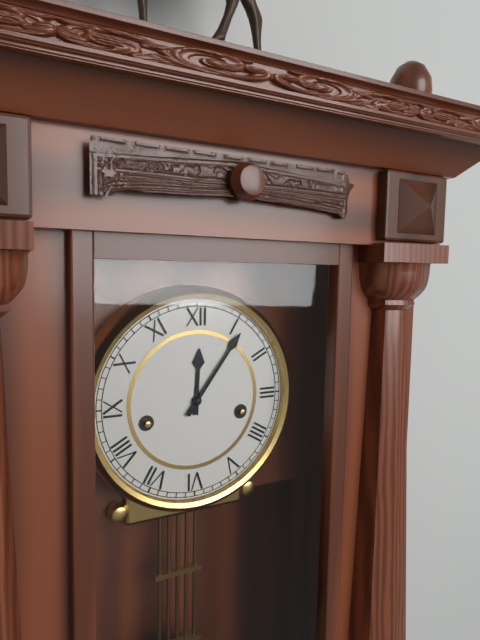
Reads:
h=12 m=6
